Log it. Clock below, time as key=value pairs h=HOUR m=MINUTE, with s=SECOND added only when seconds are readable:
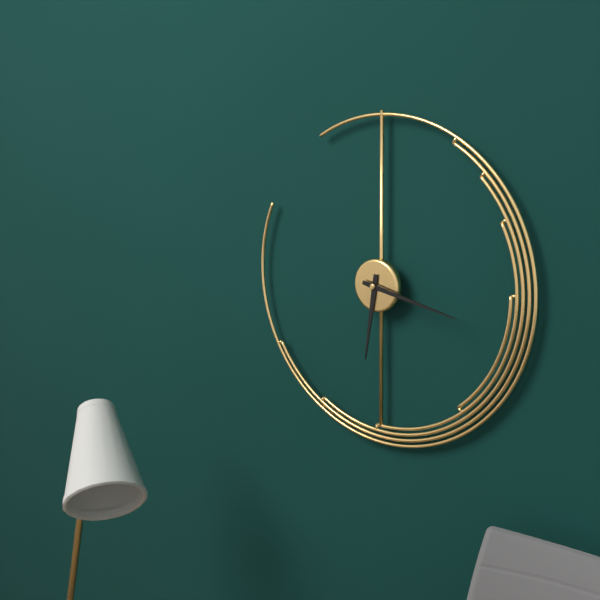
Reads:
h=6 m=17
